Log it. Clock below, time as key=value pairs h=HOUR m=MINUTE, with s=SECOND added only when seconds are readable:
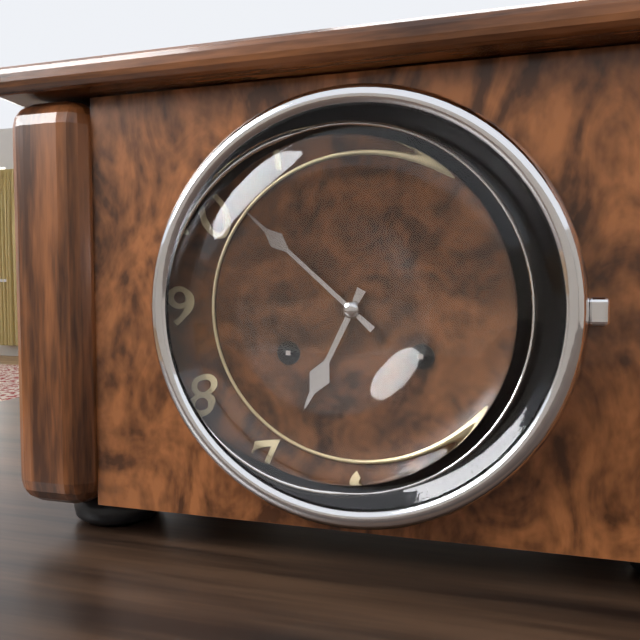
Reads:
h=6 m=52
